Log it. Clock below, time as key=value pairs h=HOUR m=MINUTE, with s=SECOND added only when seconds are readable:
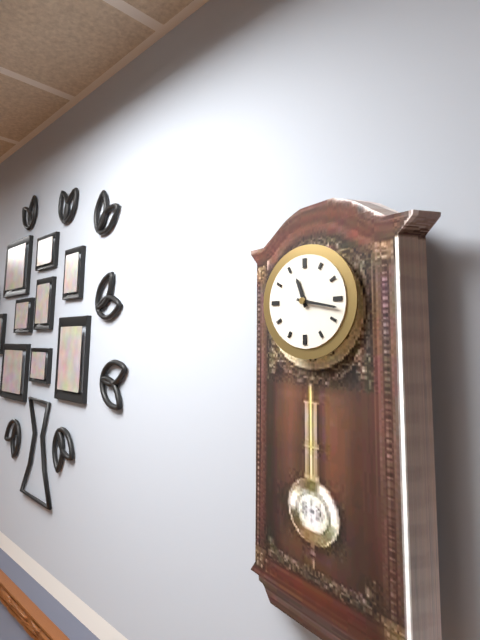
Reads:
h=11 m=17
